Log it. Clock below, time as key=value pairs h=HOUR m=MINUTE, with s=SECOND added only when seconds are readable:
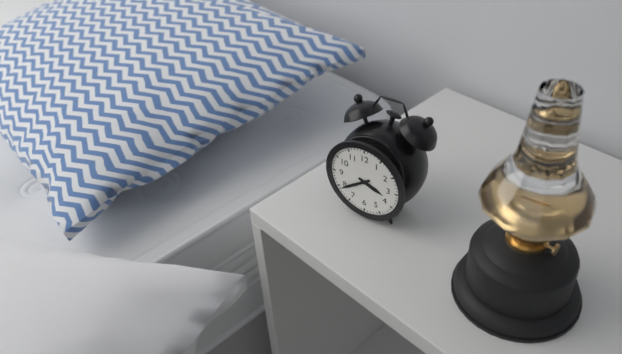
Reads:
h=3 m=39
